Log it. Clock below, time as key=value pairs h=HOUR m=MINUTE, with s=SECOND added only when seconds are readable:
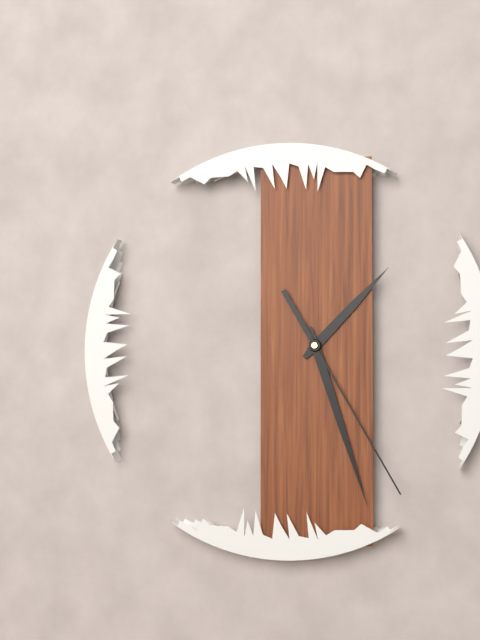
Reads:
h=1 m=27 s=25
